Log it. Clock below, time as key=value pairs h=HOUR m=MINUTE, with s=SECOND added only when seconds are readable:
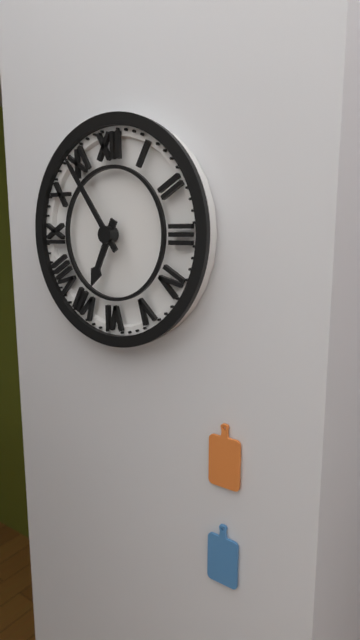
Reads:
h=6 m=54
